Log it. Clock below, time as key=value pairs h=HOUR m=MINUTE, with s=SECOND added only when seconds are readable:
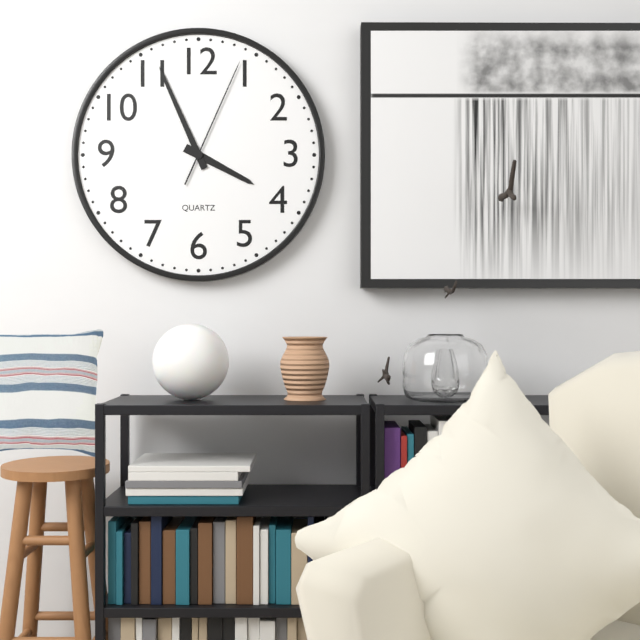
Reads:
h=3 m=56 s=4
